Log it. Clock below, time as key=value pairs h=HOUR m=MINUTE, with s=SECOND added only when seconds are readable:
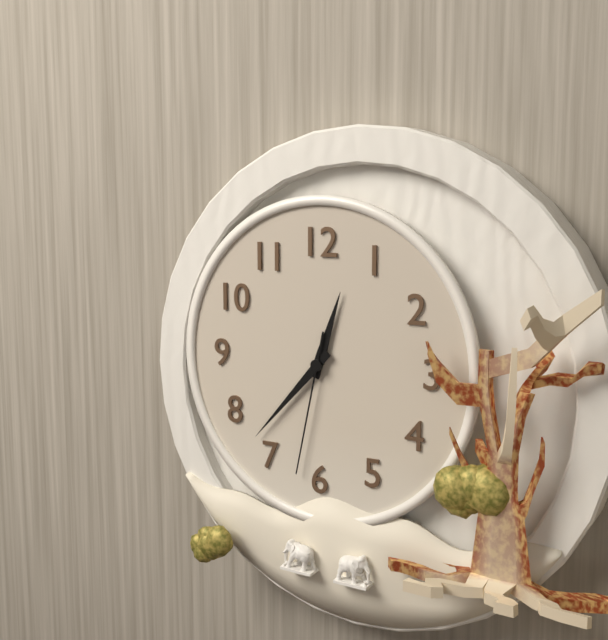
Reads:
h=12 m=37 s=32
